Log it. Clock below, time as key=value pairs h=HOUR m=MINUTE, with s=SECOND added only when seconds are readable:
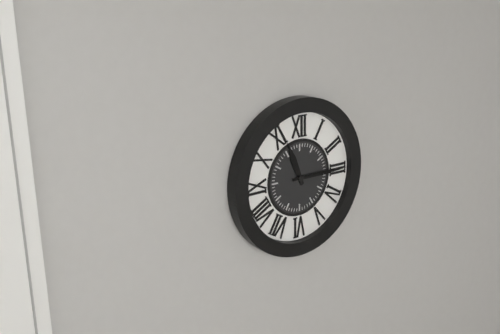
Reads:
h=11 m=15
